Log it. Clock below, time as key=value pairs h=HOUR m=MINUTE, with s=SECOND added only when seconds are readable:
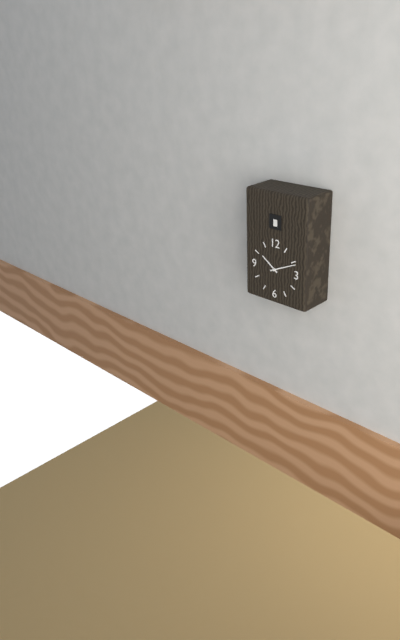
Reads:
h=10 m=11
